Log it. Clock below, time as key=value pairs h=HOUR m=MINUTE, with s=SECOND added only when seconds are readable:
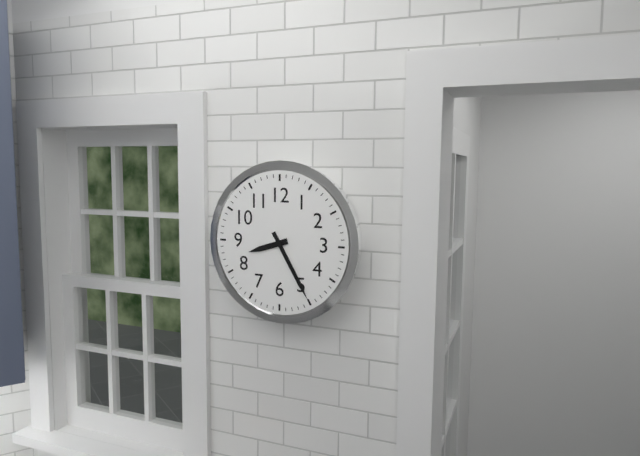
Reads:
h=8 m=25
